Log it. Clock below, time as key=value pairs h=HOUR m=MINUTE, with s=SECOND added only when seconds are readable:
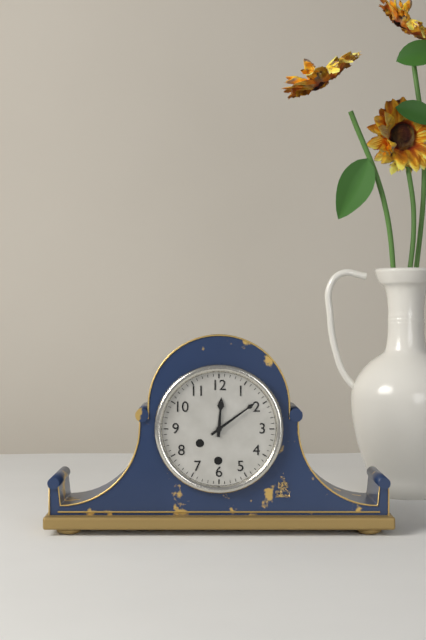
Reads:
h=12 m=9
